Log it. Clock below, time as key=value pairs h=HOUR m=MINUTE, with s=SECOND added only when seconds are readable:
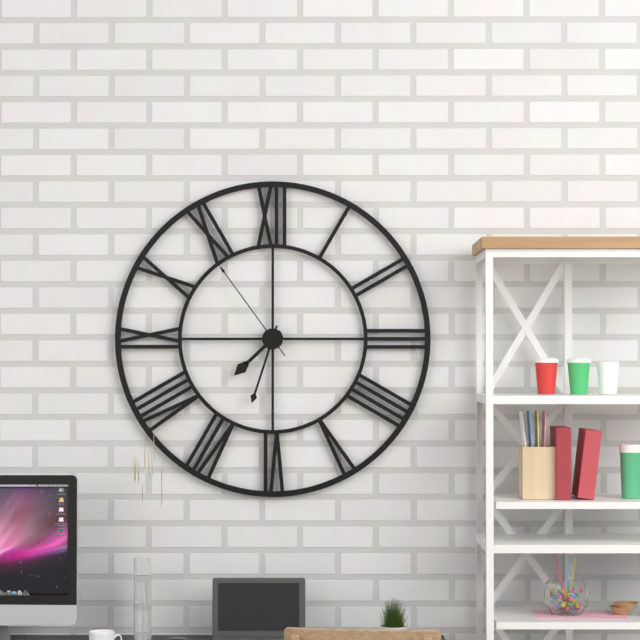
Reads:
h=7 m=33 s=54
